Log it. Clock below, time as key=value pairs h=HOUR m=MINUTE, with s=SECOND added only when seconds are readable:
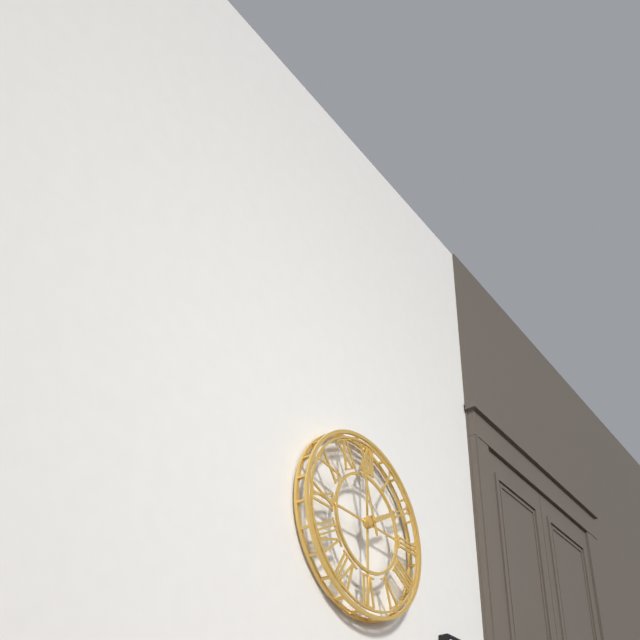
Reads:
h=1 m=57
